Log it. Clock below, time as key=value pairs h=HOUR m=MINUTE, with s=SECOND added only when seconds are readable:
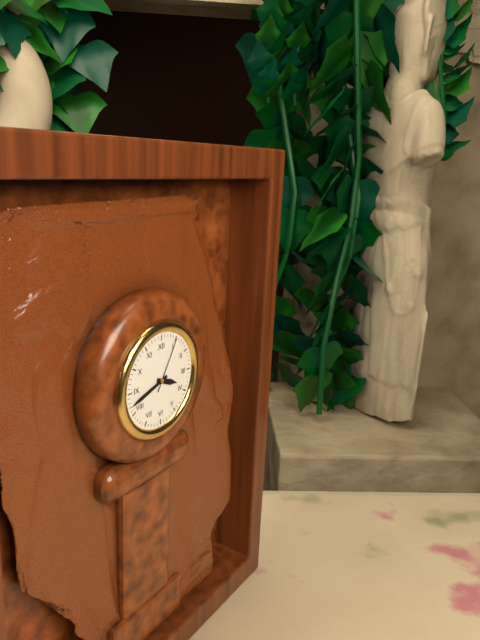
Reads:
h=3 m=42 s=5
